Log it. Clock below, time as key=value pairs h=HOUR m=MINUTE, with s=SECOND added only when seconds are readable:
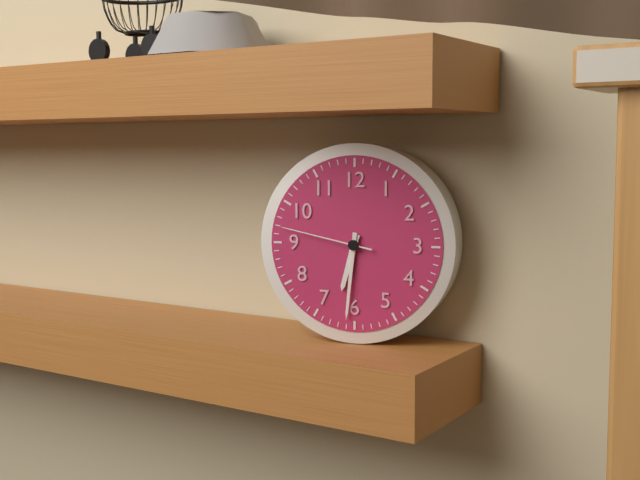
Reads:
h=6 m=31 s=47
